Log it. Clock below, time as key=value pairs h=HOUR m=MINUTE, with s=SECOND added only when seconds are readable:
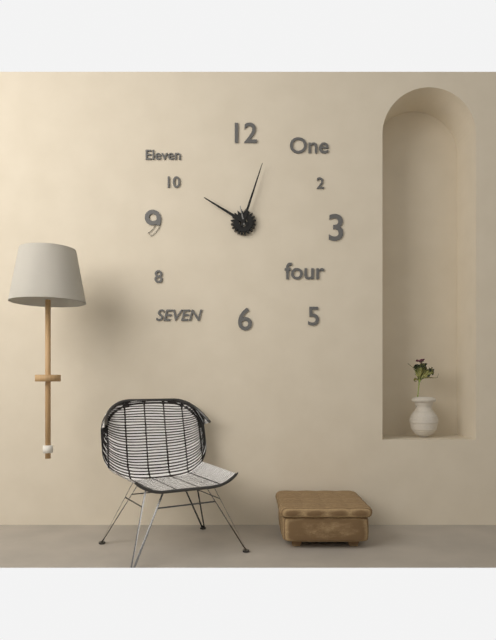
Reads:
h=10 m=3
